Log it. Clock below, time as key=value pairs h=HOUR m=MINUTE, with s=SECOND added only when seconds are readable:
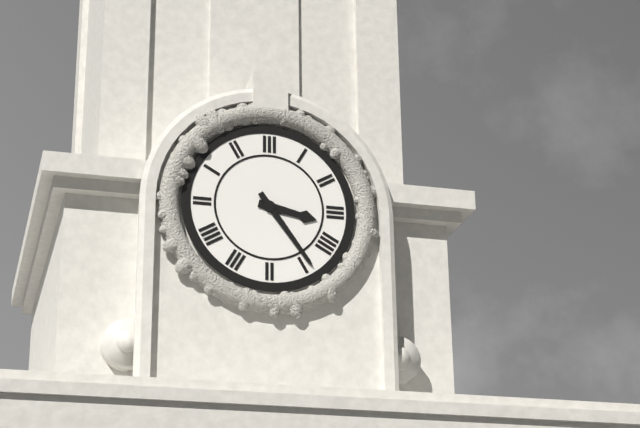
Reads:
h=3 m=24
